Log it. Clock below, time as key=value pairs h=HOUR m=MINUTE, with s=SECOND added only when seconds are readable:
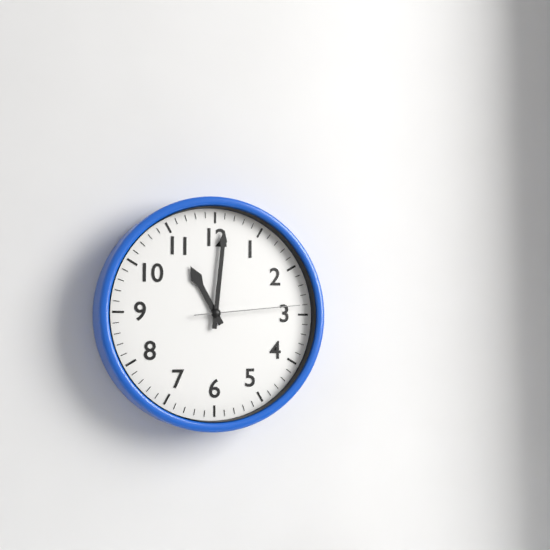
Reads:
h=11 m=1 s=14
